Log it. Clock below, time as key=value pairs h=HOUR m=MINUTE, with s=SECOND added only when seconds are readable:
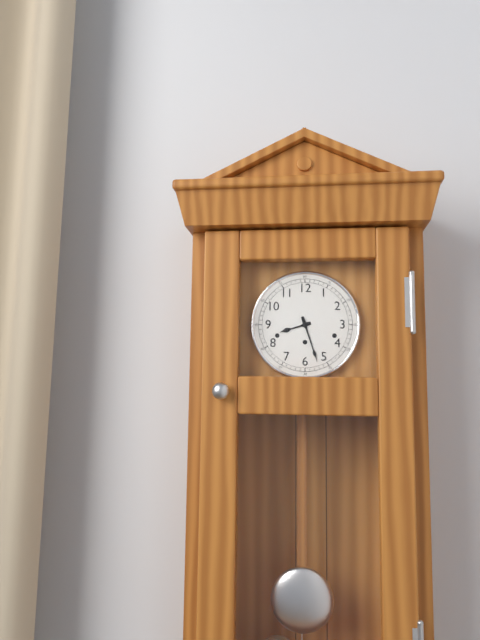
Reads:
h=8 m=27
